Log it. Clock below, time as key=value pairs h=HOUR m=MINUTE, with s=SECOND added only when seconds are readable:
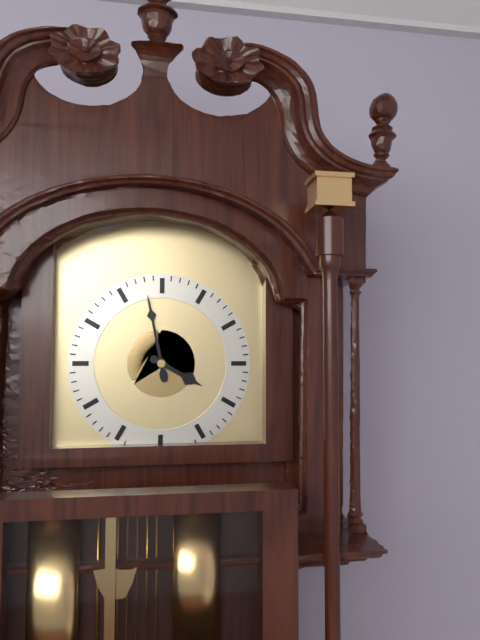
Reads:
h=3 m=58
